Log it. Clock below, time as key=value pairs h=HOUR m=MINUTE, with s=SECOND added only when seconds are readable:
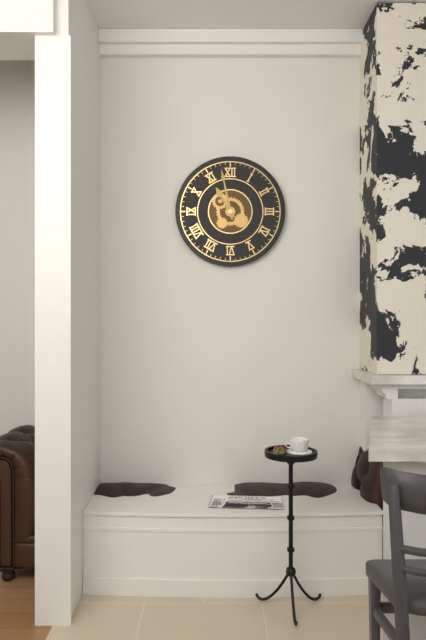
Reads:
h=10 m=58
